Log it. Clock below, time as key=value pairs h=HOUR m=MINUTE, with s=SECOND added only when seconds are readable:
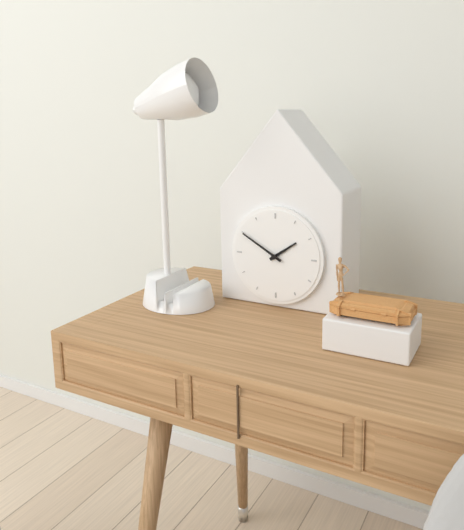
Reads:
h=1 m=50
